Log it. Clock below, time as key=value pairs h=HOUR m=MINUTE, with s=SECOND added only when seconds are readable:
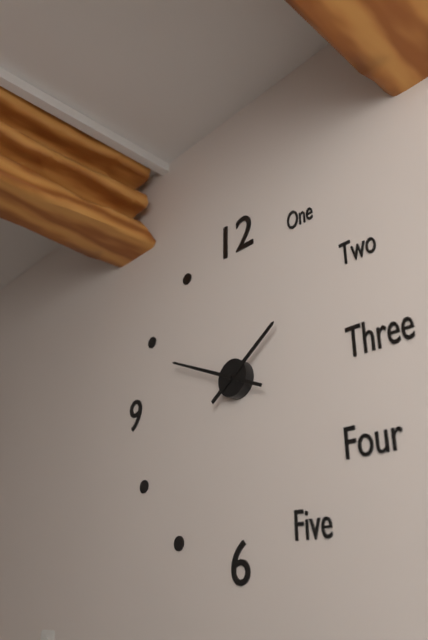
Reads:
h=1 m=49
